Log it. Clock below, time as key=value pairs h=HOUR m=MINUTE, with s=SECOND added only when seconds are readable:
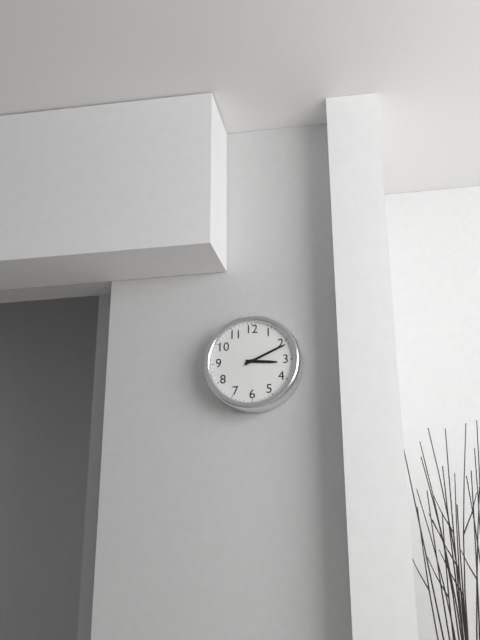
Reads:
h=3 m=11
